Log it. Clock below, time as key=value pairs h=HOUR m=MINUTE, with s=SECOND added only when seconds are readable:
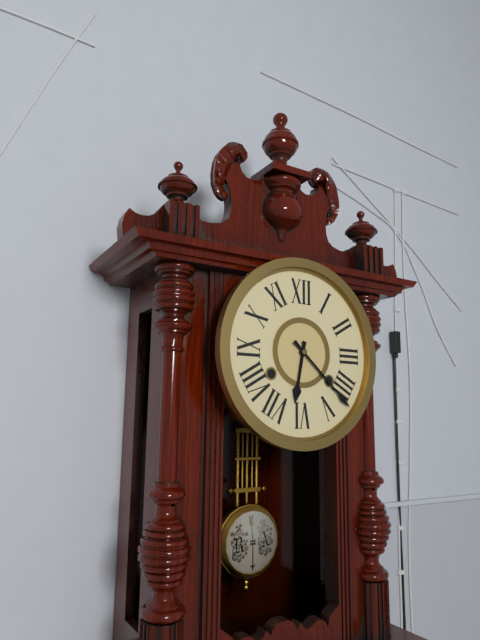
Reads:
h=6 m=22
